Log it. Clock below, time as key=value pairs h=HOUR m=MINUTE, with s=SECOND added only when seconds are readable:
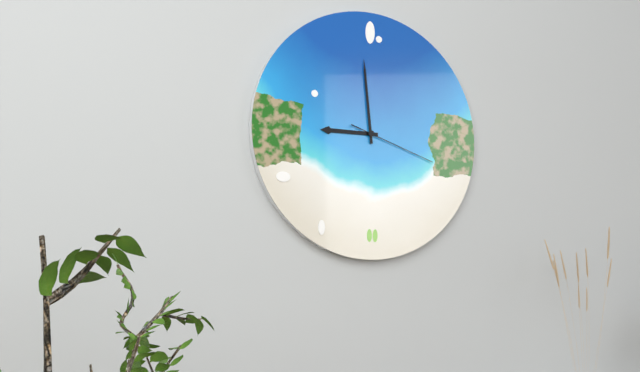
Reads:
h=8 m=59 s=18
